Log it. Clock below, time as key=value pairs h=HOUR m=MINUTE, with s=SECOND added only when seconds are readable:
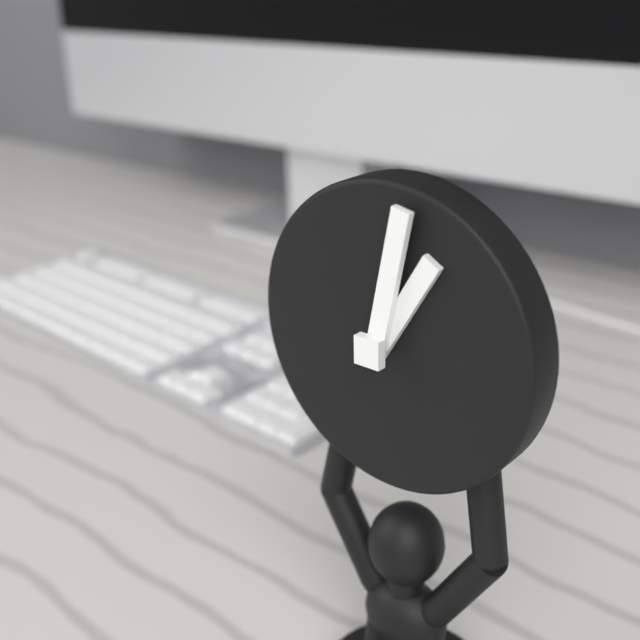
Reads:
h=1 m=2
